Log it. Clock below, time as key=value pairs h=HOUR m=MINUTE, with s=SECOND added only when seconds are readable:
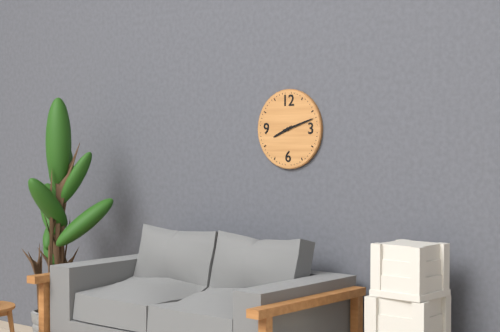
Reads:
h=8 m=12
